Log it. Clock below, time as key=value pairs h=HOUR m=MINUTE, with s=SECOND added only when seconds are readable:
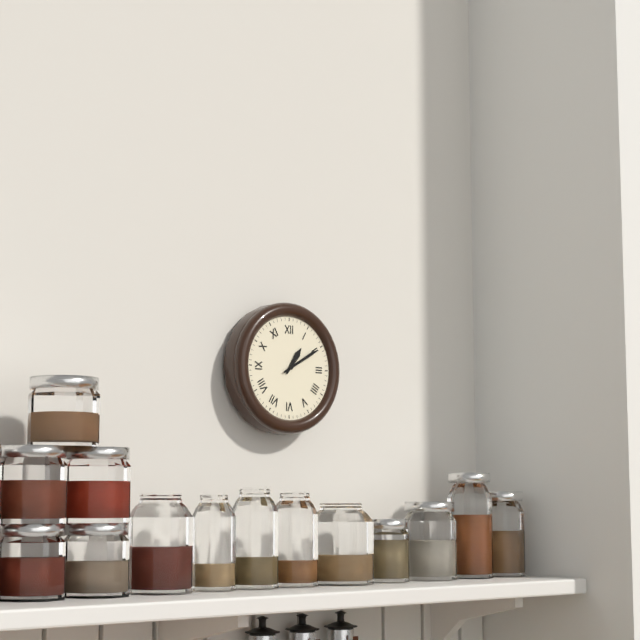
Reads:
h=1 m=10
